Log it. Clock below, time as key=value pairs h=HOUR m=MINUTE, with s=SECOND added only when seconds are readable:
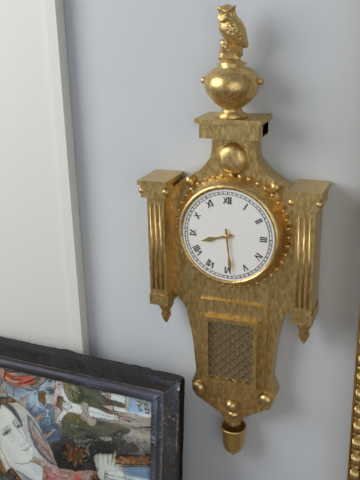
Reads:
h=8 m=29
